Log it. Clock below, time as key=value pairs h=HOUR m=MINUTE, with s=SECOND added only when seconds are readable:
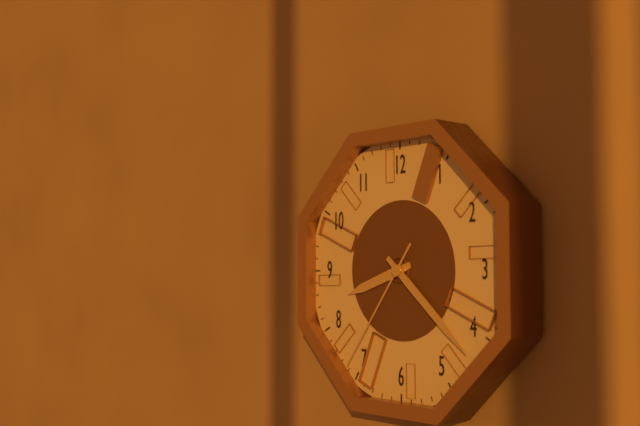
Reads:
h=8 m=22 s=36
